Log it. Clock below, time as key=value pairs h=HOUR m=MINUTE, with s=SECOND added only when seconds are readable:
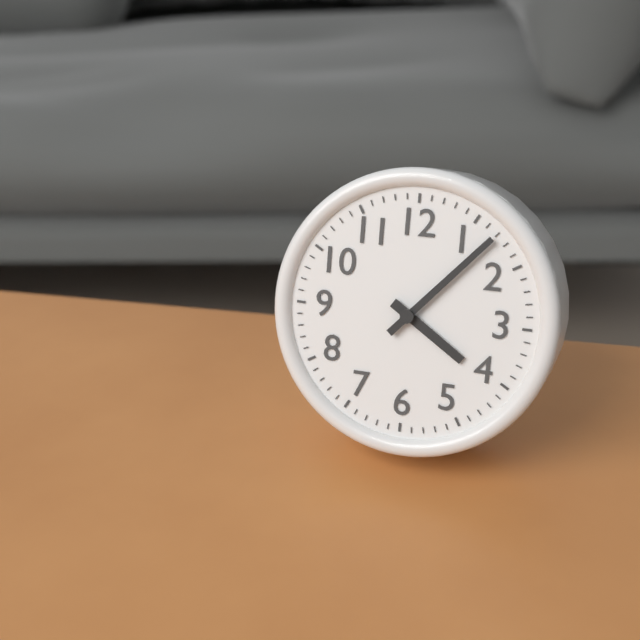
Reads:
h=4 m=7
